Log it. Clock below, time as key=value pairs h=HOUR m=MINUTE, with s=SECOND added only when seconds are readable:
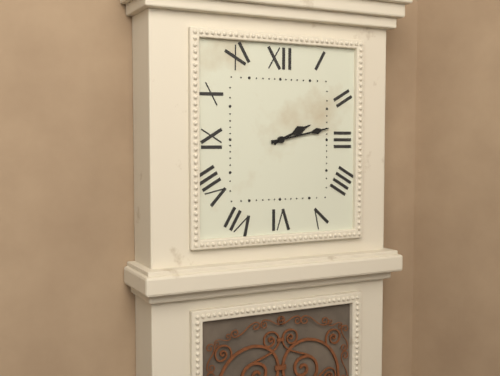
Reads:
h=2 m=13
